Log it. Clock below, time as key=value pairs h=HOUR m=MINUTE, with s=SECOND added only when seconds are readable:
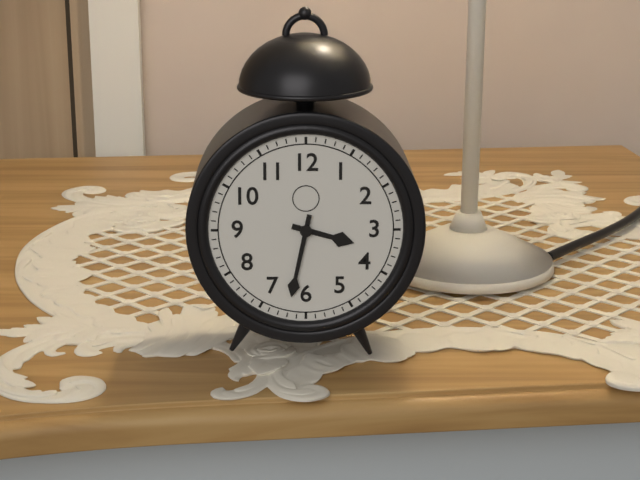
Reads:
h=3 m=32
